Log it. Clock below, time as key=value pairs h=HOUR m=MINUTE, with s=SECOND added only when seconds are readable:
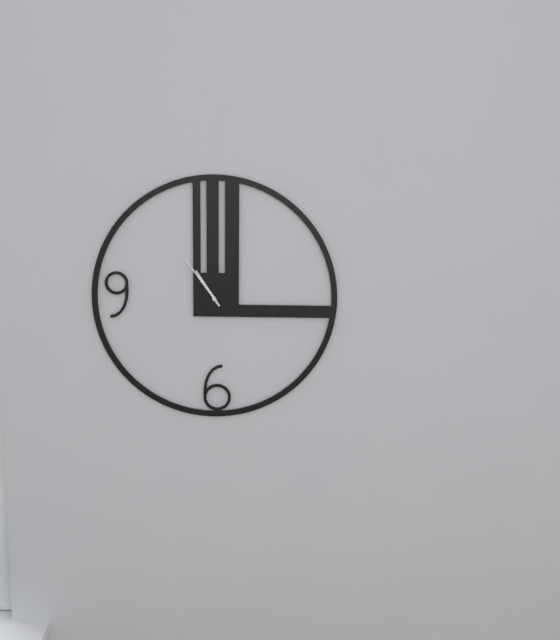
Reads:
h=10 m=54
